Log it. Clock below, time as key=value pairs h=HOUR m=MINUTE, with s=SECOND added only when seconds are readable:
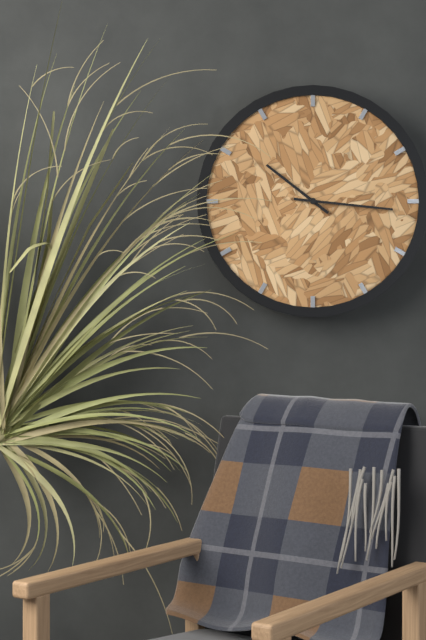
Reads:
h=10 m=16
